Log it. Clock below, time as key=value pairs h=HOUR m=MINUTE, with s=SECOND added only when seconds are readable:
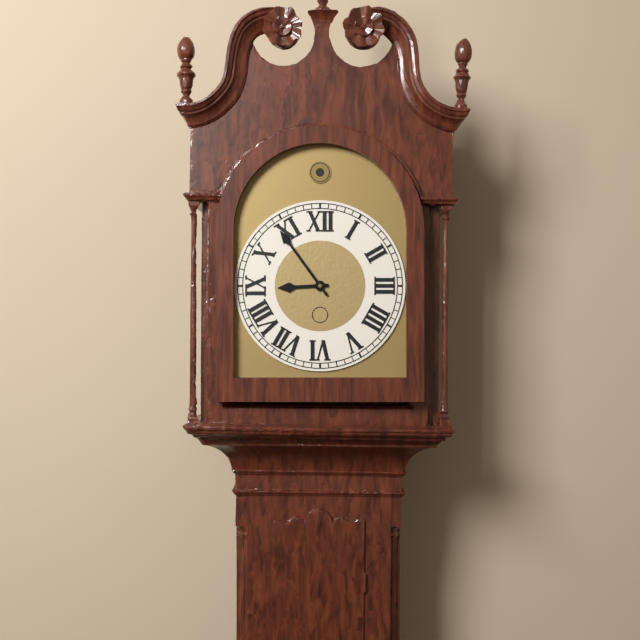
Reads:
h=8 m=54
